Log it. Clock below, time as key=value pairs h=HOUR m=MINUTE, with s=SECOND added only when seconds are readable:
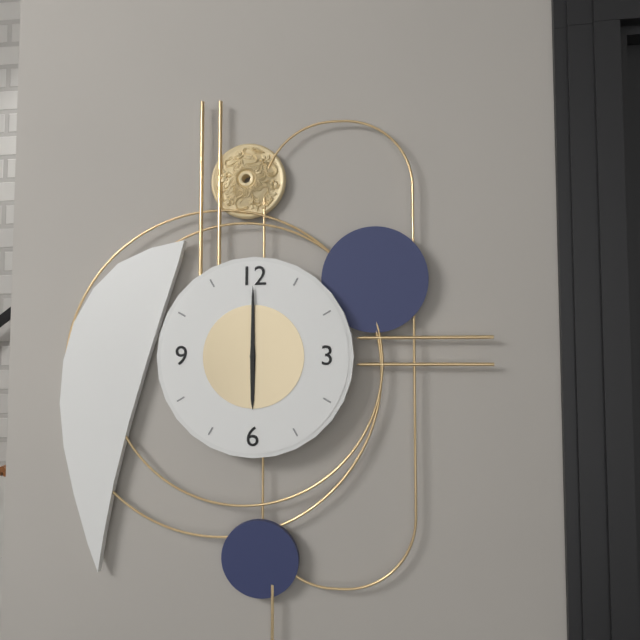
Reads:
h=6 m=0
